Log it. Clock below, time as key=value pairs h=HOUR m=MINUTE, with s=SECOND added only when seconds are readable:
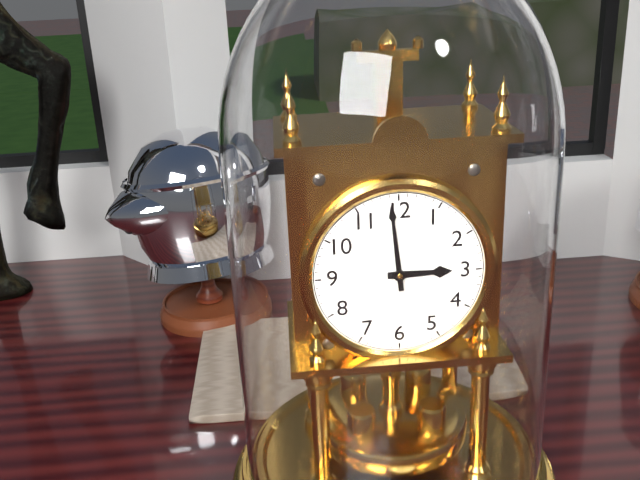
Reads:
h=2 m=59
